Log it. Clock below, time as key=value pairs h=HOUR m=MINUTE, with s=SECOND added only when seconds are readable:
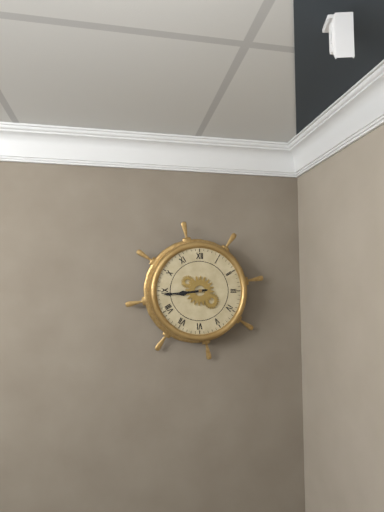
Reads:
h=8 m=44
